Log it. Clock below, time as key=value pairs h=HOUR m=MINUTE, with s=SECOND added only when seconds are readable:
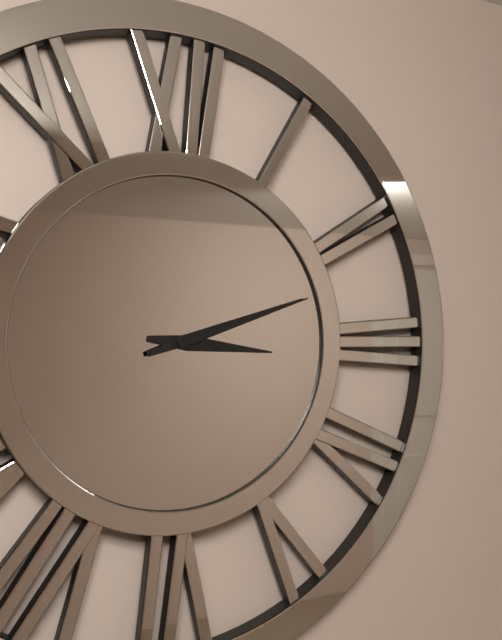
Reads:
h=3 m=12
